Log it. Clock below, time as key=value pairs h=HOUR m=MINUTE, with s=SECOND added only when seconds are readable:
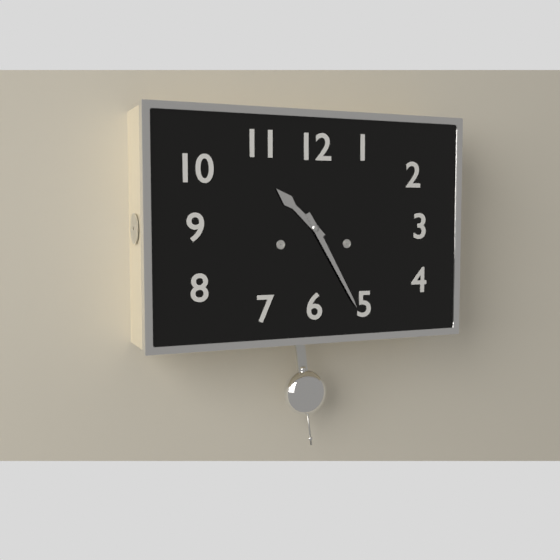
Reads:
h=10 m=25
